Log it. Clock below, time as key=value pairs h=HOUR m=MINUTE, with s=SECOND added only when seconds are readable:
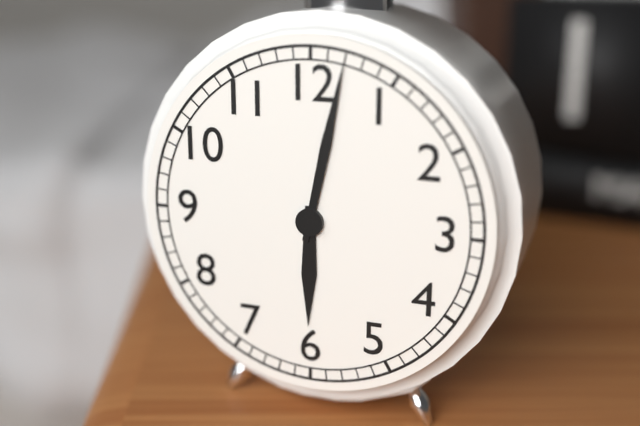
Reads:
h=6 m=2
